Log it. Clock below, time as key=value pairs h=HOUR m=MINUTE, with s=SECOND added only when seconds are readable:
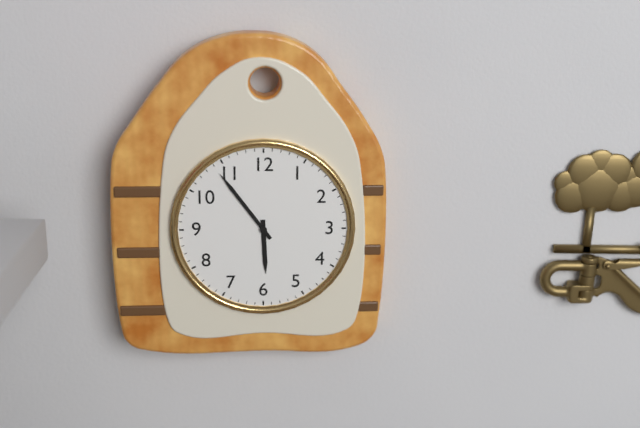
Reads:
h=5 m=54
